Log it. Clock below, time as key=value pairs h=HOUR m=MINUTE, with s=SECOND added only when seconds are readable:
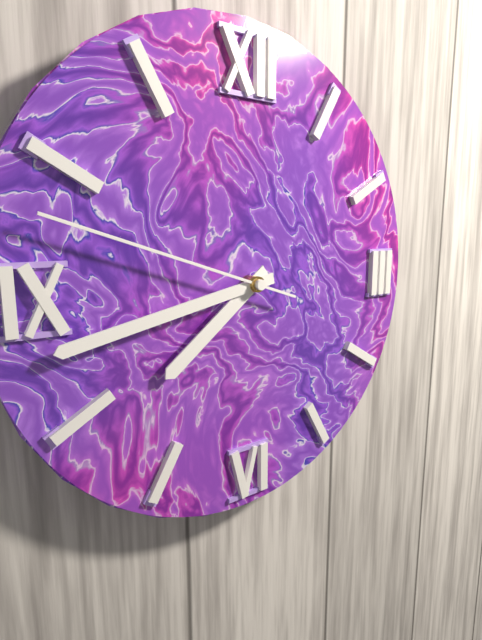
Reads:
h=7 m=43 s=48
